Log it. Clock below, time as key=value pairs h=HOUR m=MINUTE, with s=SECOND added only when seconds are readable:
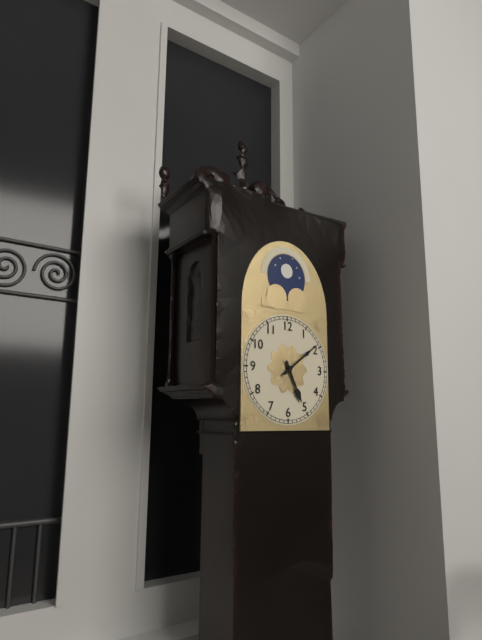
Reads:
h=5 m=9
